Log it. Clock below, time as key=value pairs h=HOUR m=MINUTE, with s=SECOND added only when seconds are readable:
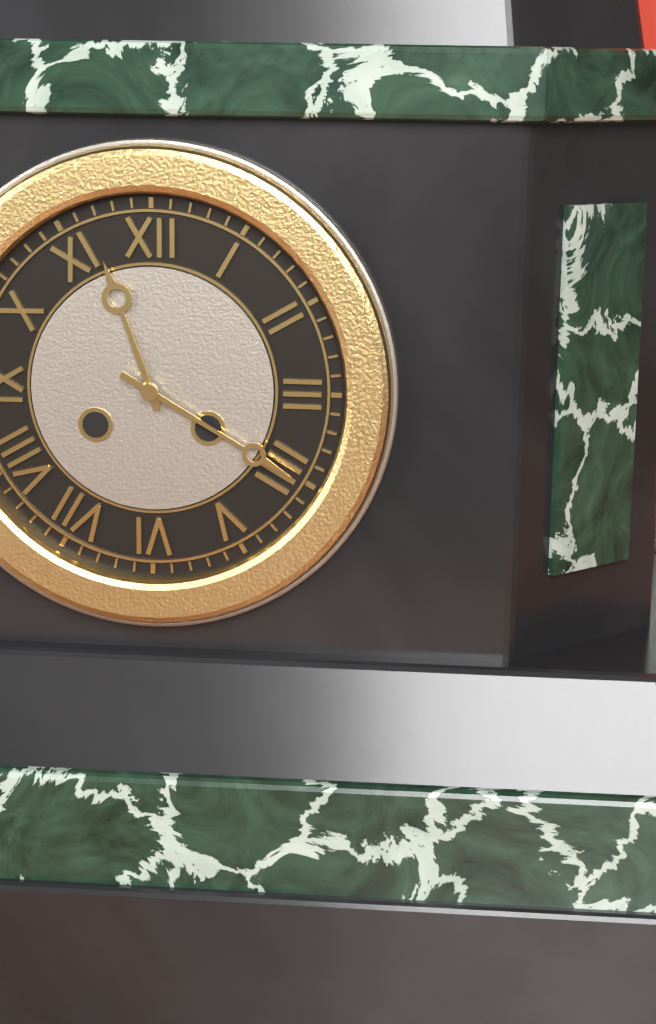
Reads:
h=11 m=20
